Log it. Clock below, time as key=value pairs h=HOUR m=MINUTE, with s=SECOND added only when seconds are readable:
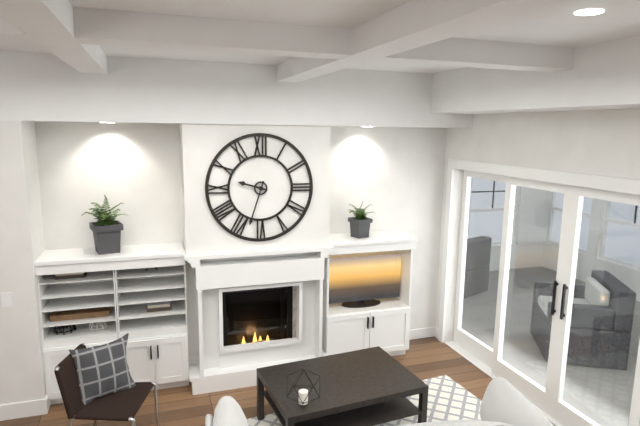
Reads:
h=9 m=33
